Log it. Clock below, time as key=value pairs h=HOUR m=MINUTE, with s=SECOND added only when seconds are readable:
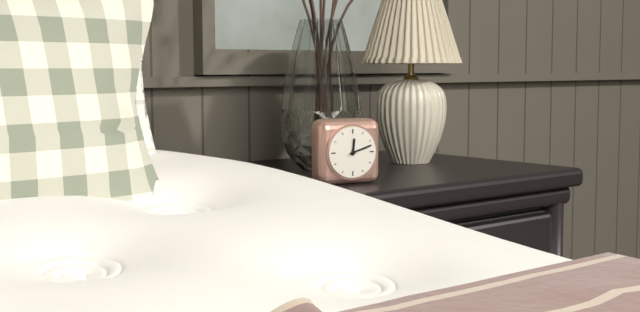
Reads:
h=12 m=12
